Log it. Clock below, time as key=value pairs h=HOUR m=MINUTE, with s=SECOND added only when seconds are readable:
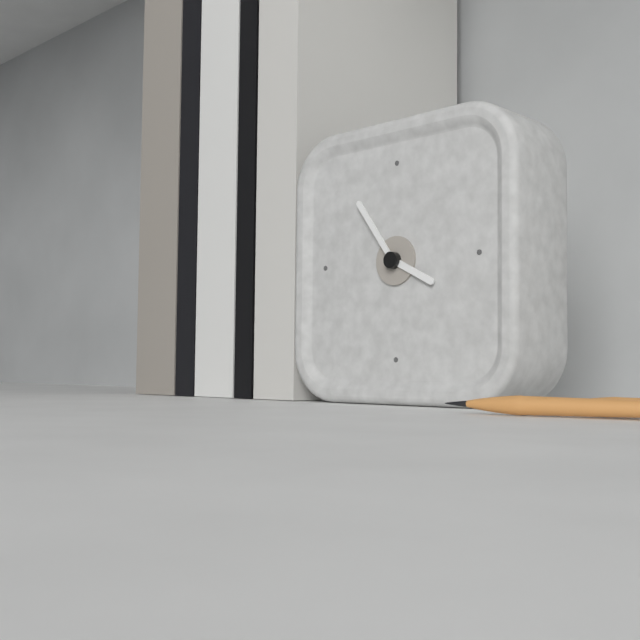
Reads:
h=3 m=54
